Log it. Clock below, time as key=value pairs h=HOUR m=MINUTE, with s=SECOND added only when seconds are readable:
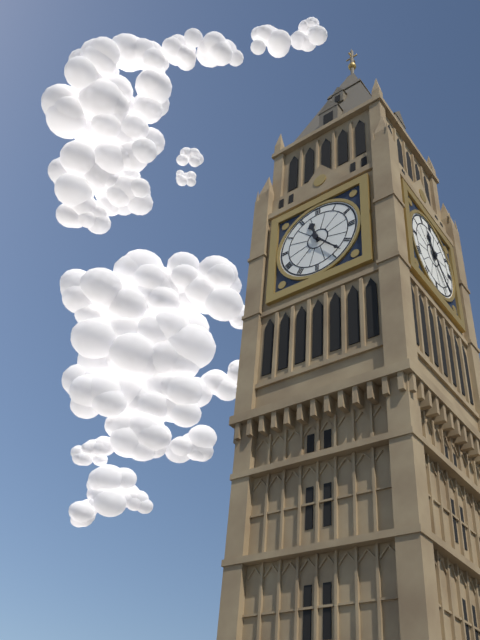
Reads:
h=11 m=23
